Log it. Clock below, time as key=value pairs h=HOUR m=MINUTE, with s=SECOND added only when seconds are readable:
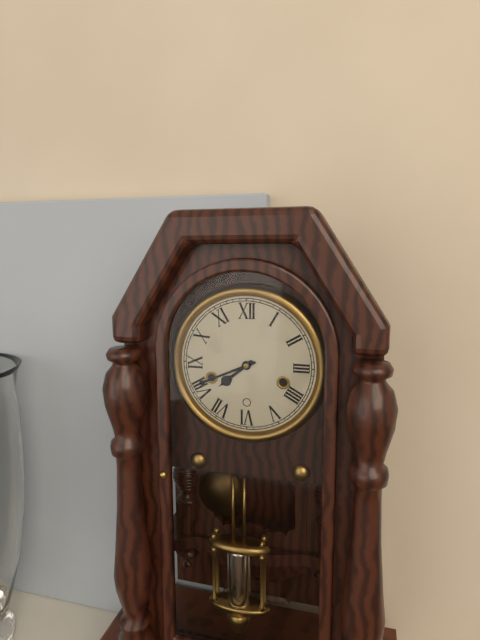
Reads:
h=7 m=41
